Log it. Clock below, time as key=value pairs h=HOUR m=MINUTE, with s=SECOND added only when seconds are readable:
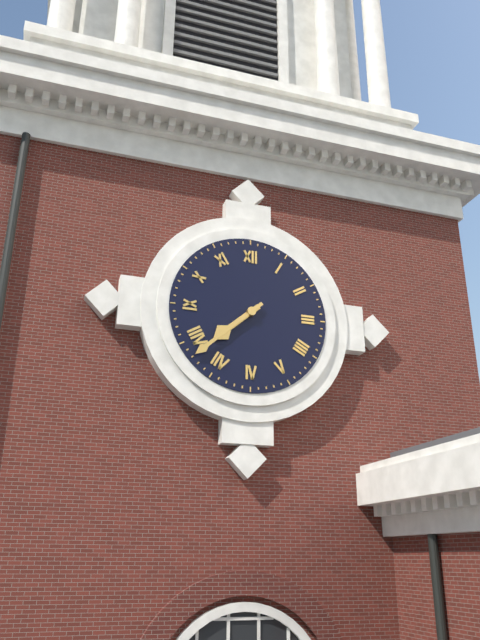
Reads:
h=7 m=38
